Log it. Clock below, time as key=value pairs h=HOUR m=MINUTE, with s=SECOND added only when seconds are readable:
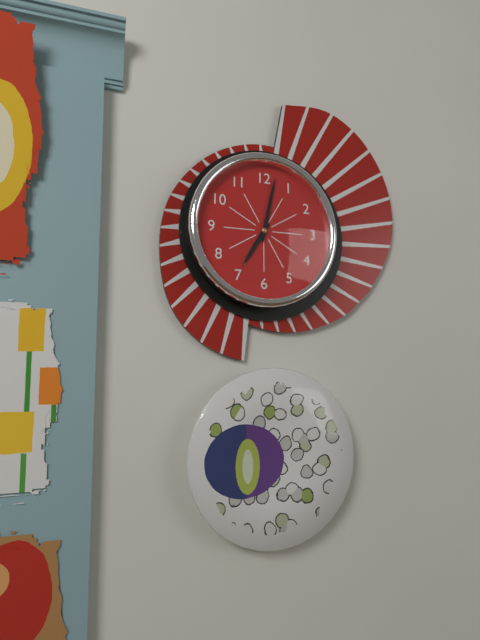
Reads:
h=7 m=2
